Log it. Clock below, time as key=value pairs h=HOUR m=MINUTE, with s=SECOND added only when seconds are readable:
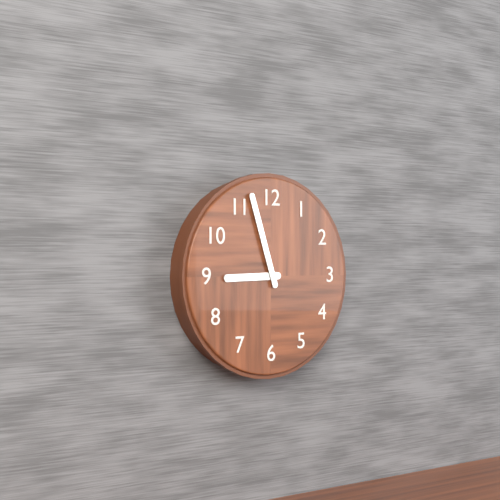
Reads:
h=8 m=57
